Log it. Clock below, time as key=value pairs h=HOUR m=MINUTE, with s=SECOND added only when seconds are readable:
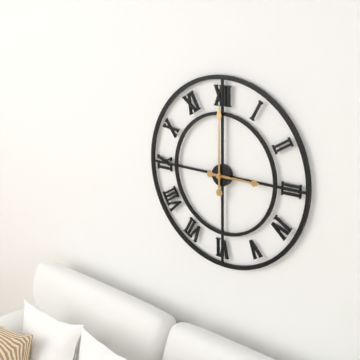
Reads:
h=3 m=0
